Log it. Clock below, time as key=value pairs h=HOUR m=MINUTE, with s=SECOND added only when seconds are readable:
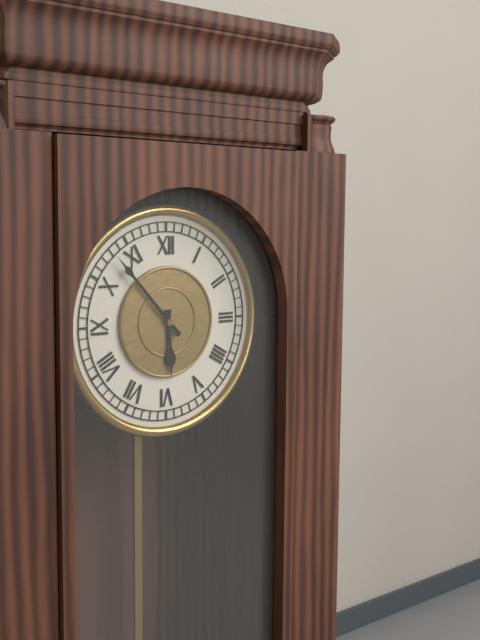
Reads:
h=5 m=53
